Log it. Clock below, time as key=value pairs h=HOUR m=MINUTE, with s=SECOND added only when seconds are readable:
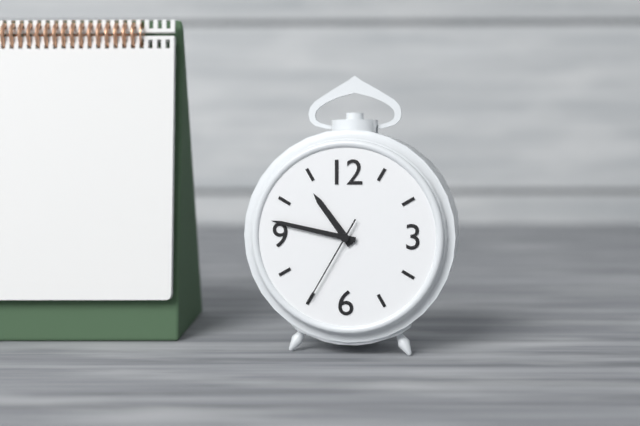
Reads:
h=10 m=47 s=35
